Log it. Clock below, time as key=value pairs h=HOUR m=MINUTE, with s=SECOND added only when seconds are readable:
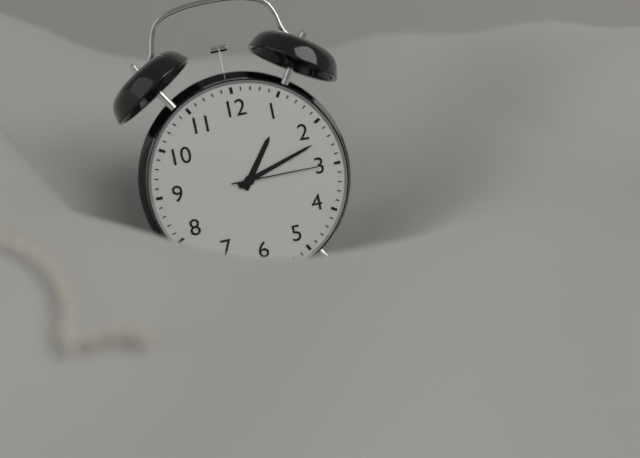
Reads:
h=1 m=12 s=15
